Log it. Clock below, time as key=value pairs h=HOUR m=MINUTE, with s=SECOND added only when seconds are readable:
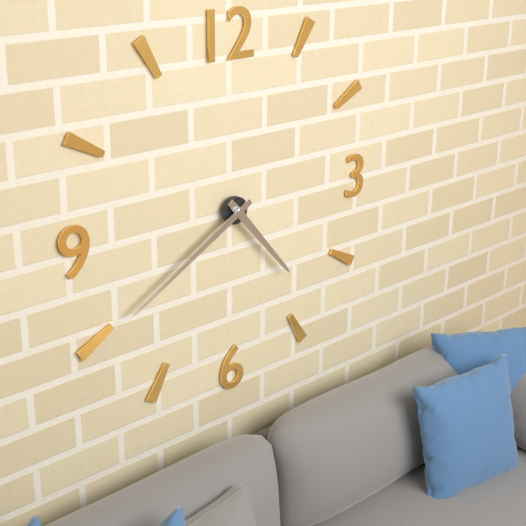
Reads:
h=4 m=40
